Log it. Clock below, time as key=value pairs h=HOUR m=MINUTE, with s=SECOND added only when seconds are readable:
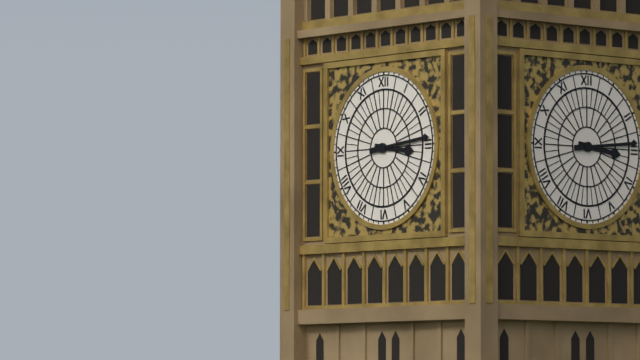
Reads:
h=3 m=14
